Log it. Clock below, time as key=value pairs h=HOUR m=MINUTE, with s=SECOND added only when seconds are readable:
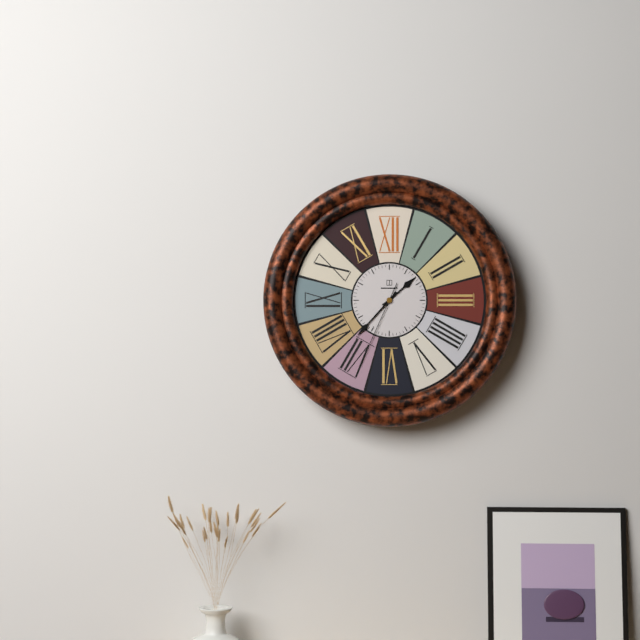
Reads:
h=1 m=37 s=34
